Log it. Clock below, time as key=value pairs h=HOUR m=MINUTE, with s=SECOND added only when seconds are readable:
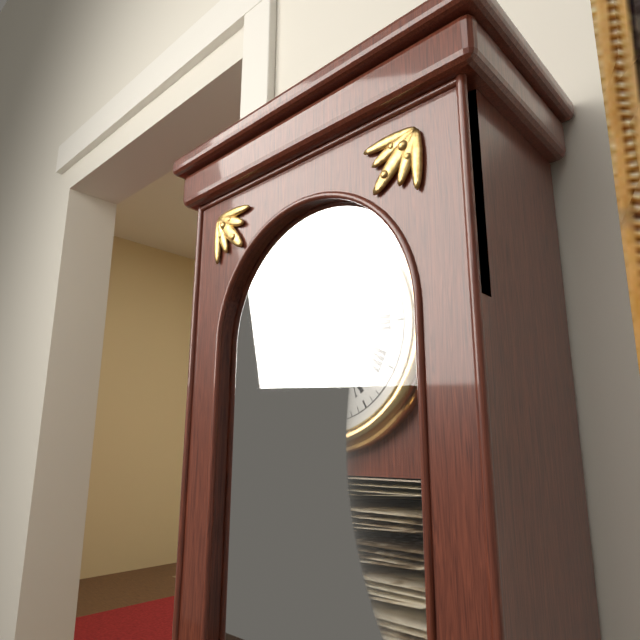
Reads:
h=5 m=43
